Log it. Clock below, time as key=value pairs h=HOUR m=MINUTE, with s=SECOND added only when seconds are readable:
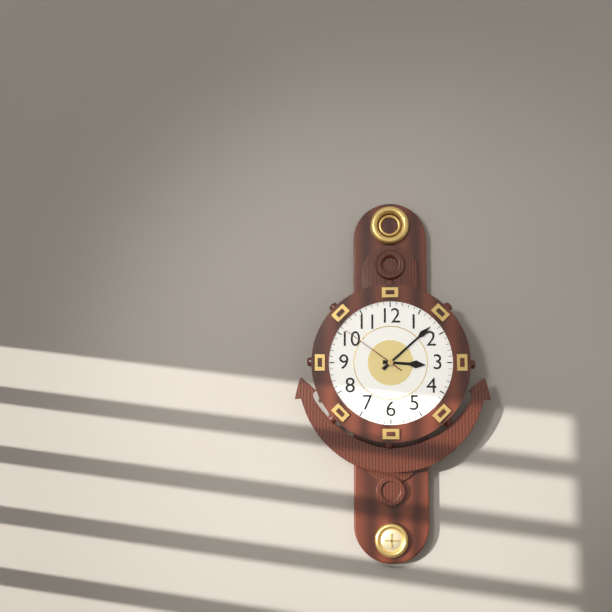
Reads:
h=3 m=8 s=51
